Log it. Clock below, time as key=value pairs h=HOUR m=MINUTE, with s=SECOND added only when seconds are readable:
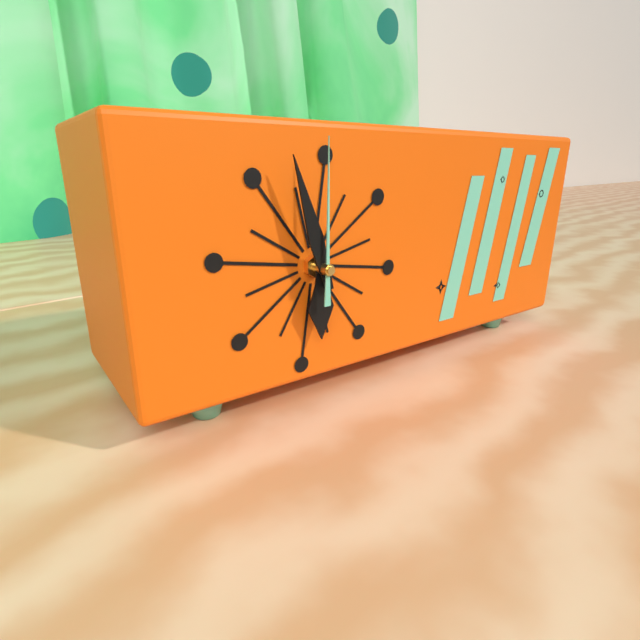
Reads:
h=5 m=57 s=0
